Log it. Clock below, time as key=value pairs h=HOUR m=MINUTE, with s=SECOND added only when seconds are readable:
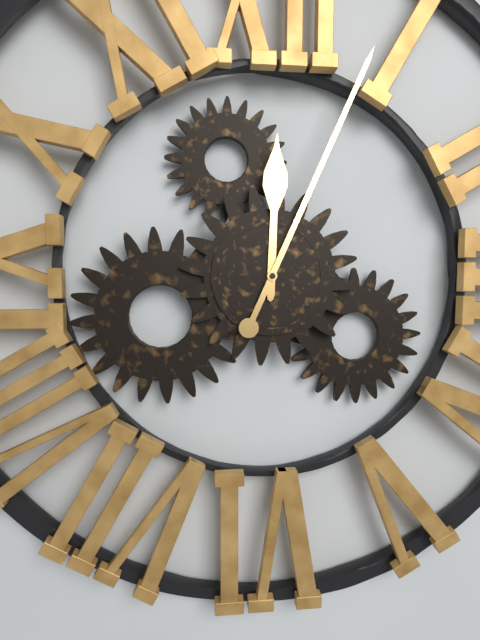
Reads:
h=12 m=4
